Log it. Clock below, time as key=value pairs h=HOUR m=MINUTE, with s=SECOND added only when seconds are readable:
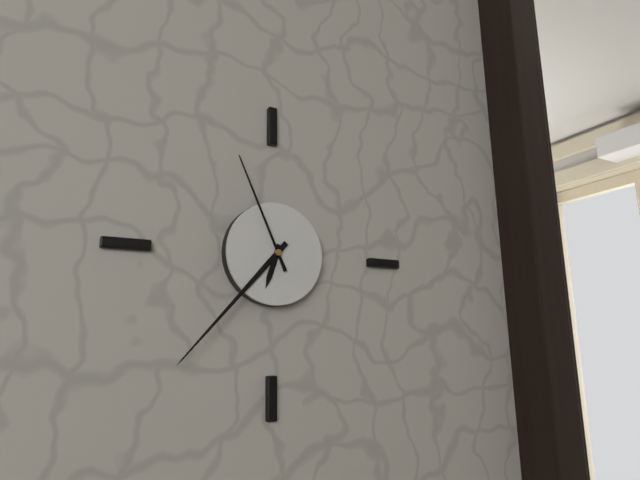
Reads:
h=6 m=37 s=56
